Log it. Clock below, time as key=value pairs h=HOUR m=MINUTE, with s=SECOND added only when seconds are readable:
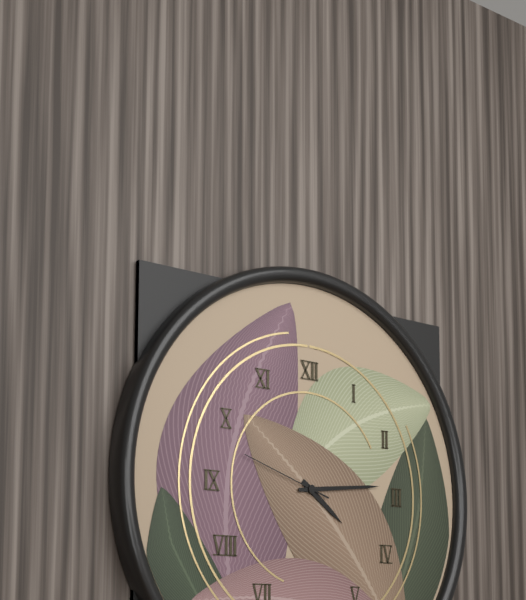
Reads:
h=4 m=14 s=48
